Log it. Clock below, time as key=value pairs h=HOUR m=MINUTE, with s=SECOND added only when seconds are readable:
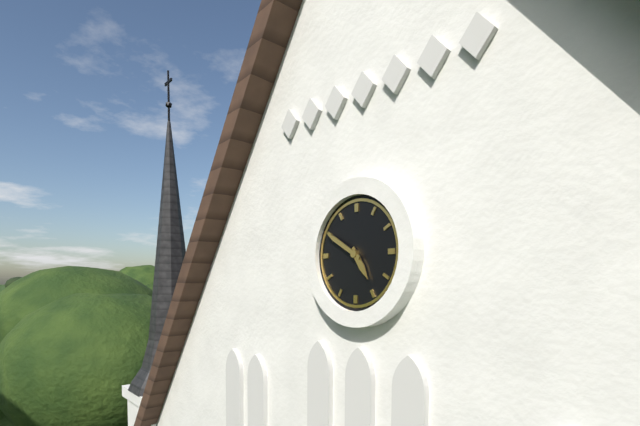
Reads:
h=4 m=50
